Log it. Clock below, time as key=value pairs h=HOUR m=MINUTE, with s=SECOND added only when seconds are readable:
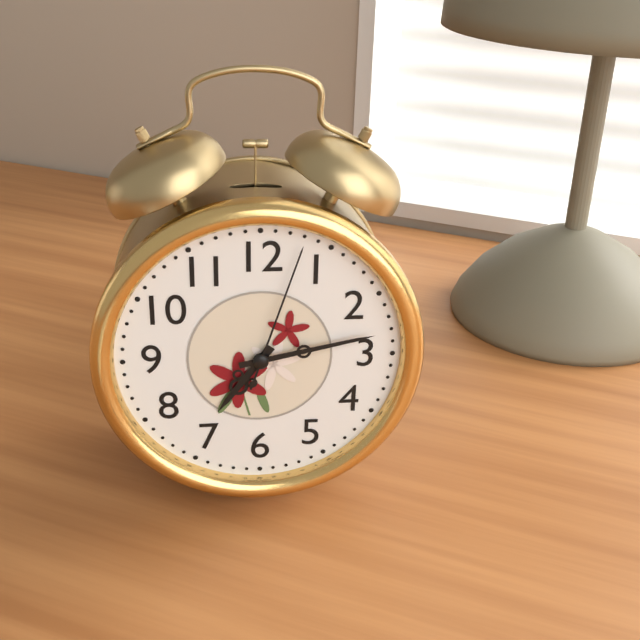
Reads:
h=7 m=13 s=3
